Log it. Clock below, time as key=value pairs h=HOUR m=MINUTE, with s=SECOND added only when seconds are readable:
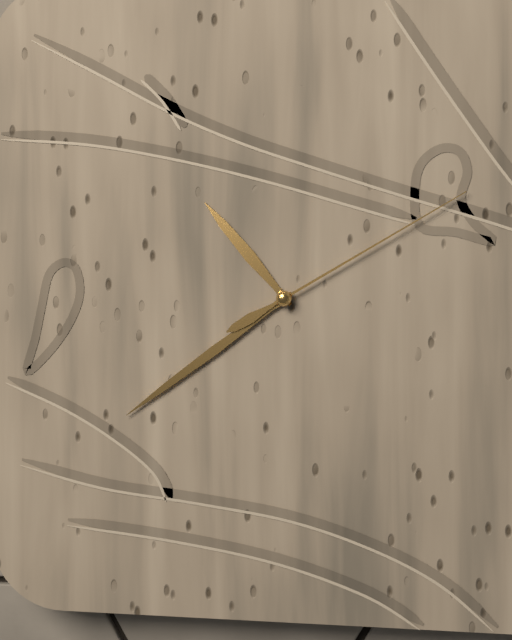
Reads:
h=10 m=39 s=10
